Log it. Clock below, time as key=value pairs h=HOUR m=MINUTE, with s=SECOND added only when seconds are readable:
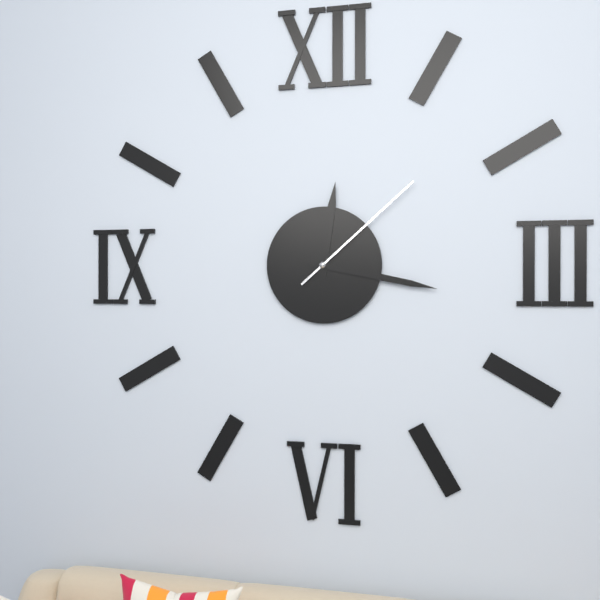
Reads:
h=12 m=17 s=8
